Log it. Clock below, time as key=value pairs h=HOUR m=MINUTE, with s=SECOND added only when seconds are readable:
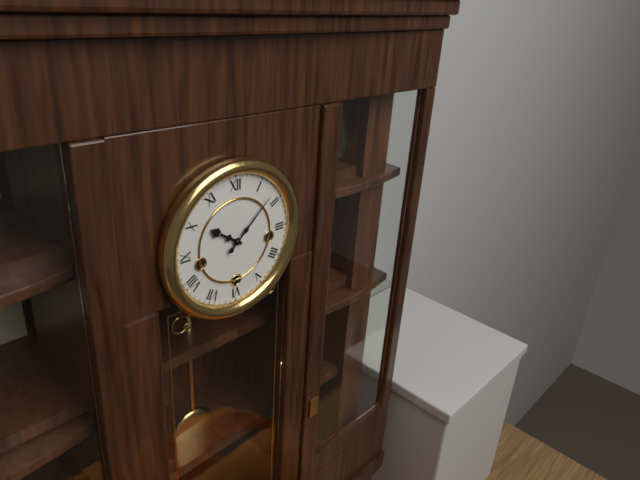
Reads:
h=10 m=8
